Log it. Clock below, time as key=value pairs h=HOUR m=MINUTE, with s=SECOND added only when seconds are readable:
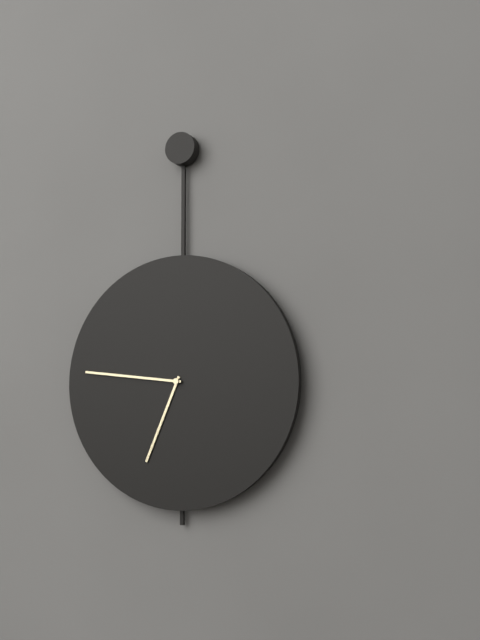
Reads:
h=6 m=46
